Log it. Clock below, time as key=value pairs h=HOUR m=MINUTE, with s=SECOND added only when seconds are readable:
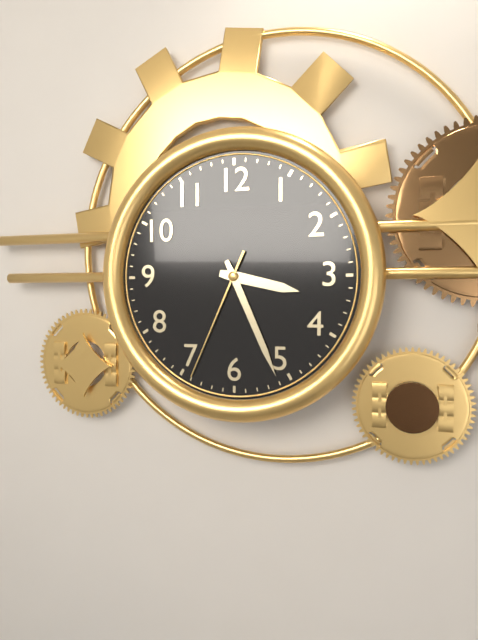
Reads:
h=3 m=26 s=34
